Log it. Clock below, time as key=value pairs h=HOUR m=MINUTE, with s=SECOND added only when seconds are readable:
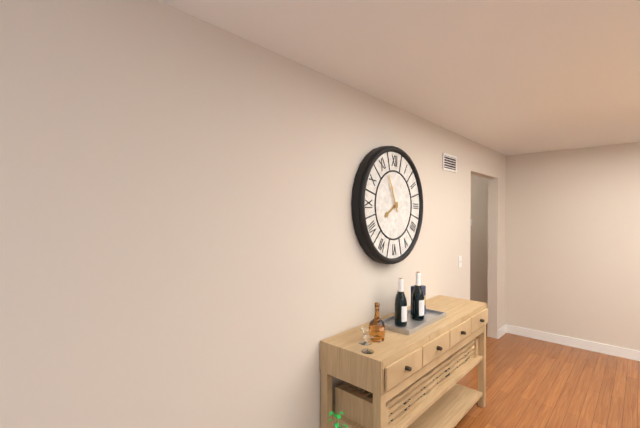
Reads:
h=7 m=56
